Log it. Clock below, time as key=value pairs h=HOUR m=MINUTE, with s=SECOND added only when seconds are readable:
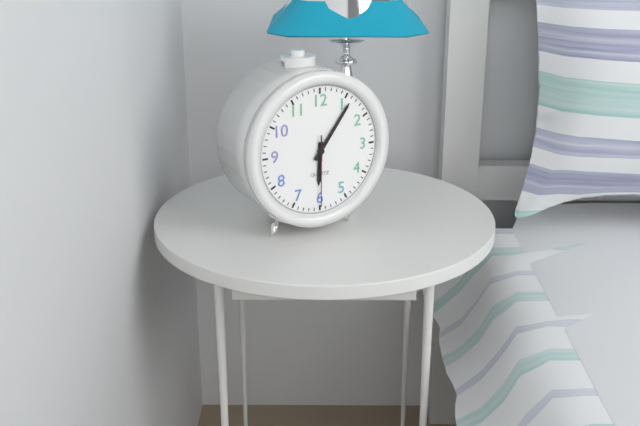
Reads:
h=6 m=6 s=30
